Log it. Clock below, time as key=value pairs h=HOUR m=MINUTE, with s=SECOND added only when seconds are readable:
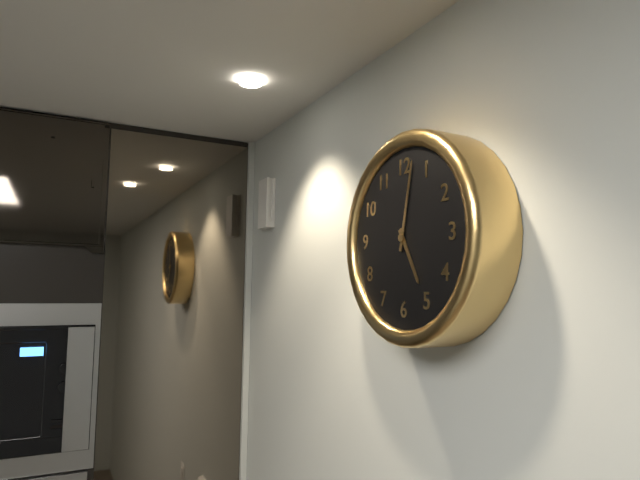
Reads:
h=5 m=2
